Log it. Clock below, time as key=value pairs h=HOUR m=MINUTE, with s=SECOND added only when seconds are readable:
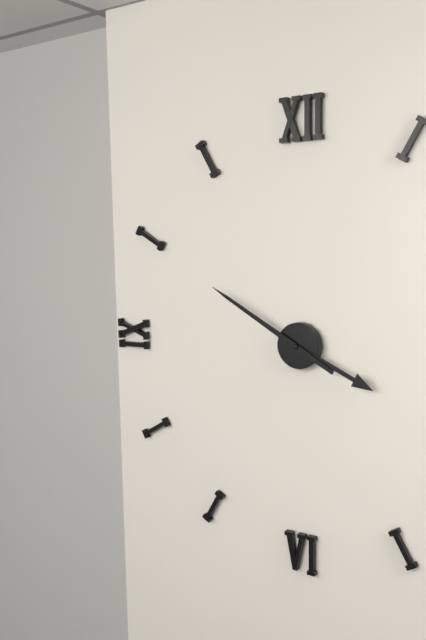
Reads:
h=3 m=50
